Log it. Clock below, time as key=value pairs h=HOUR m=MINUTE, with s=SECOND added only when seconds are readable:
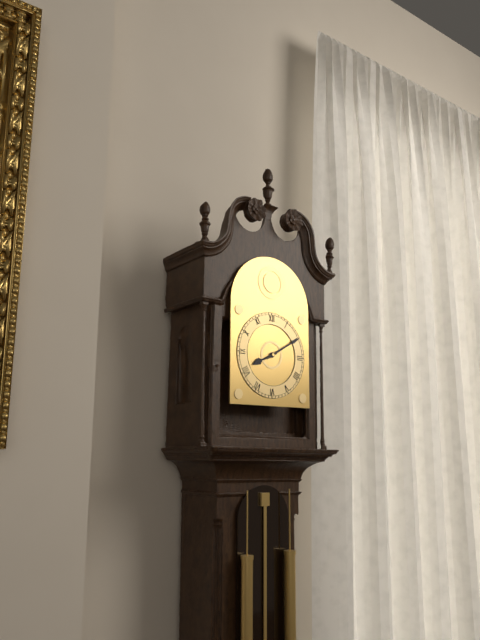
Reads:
h=8 m=10
